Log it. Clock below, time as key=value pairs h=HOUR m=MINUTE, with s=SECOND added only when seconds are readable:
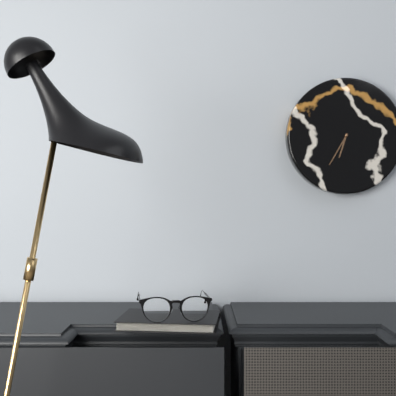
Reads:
h=6 m=35
